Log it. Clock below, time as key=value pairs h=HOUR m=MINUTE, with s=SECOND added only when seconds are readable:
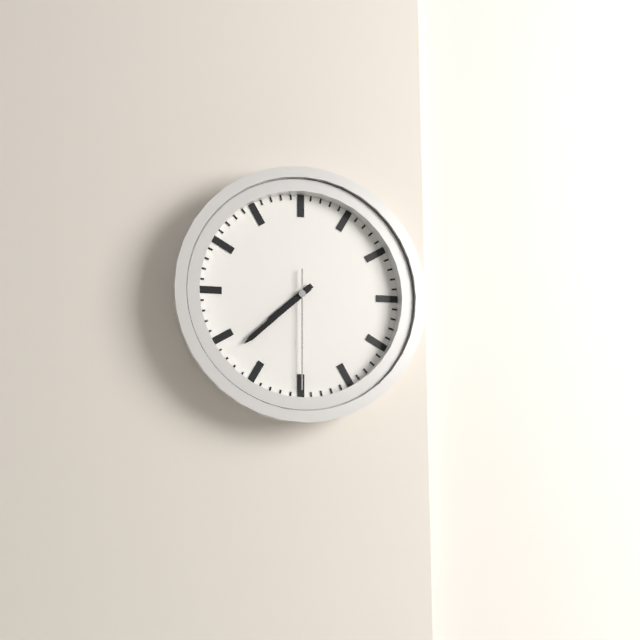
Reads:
h=7 m=38 s=30
